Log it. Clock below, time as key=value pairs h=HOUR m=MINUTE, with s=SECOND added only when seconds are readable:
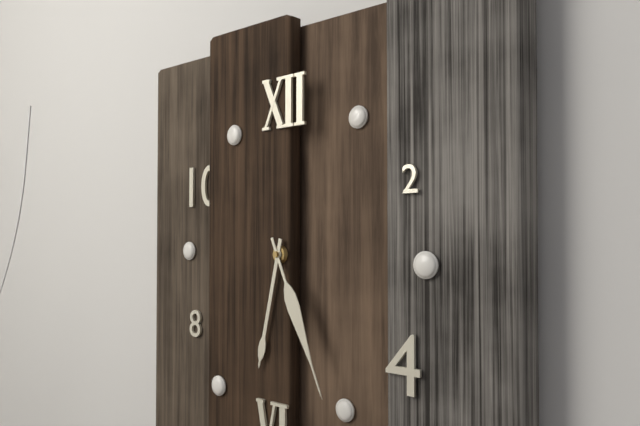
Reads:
h=6 m=26
